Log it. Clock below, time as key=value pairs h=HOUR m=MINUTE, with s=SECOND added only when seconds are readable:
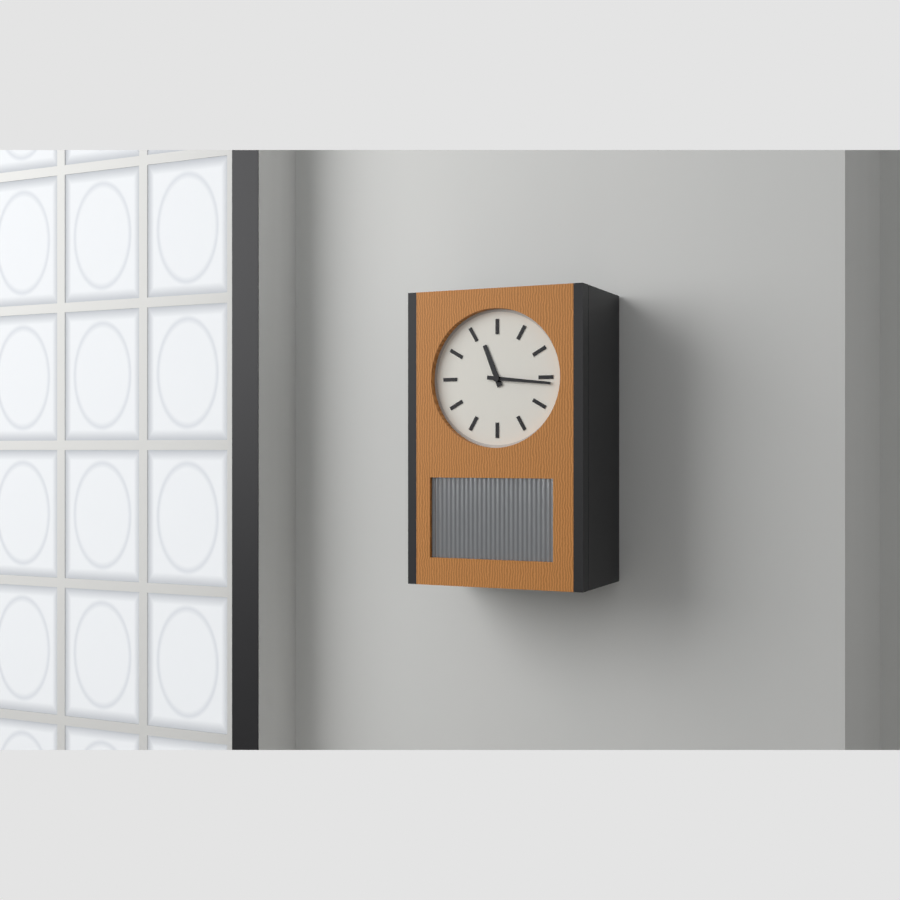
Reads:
h=11 m=16
